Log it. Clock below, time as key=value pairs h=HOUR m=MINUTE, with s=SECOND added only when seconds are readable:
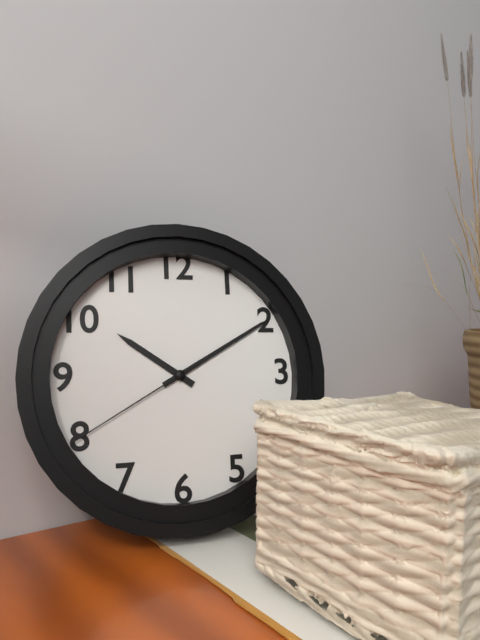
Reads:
h=10 m=10 s=40
